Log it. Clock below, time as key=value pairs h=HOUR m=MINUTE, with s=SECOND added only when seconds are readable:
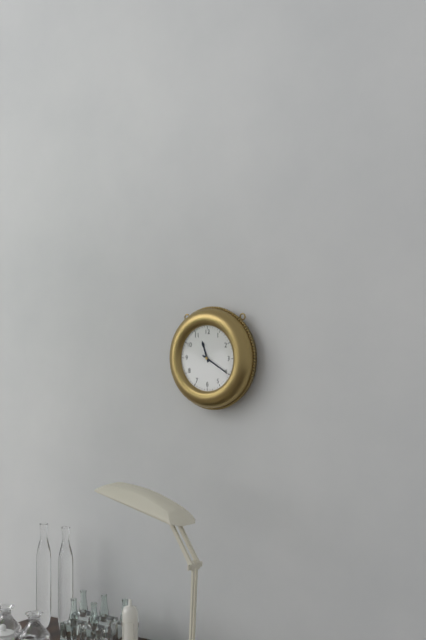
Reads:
h=11 m=20
